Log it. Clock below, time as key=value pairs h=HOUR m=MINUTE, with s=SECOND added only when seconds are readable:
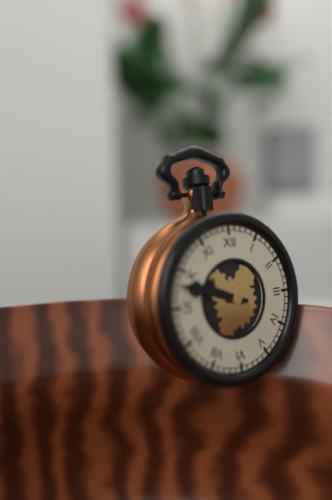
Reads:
h=9 m=48
